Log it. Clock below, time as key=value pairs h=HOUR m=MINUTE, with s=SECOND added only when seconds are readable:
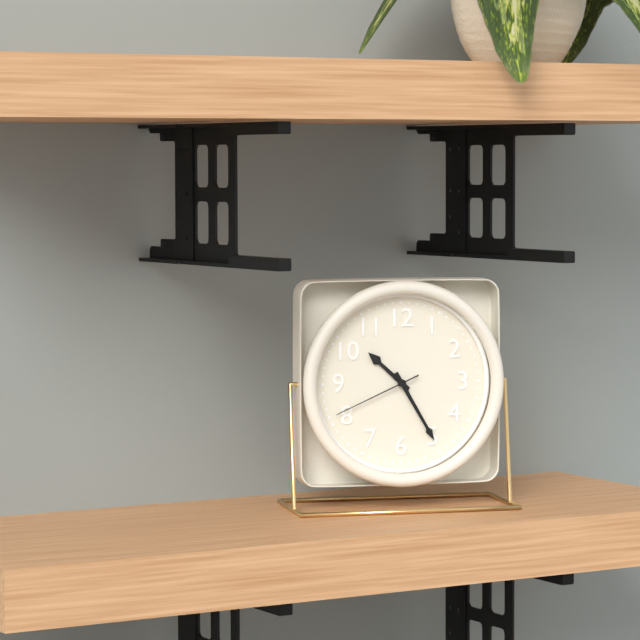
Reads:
h=10 m=25 s=41
